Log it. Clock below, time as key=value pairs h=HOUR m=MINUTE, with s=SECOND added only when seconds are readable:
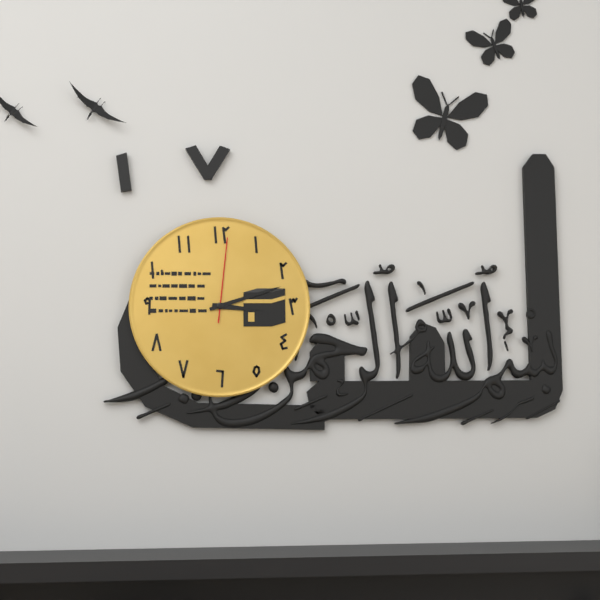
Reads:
h=3 m=12 s=1
